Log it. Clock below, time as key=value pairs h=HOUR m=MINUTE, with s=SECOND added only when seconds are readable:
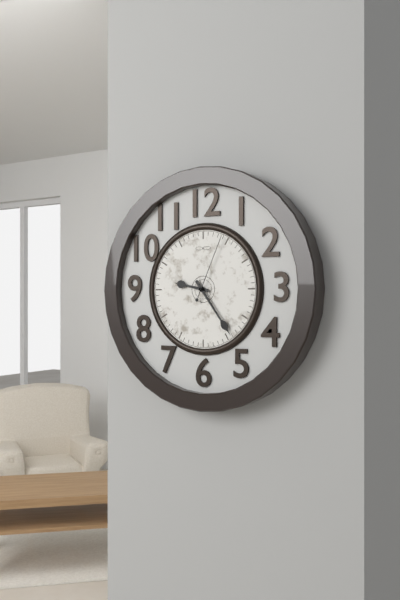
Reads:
h=9 m=24 s=4
